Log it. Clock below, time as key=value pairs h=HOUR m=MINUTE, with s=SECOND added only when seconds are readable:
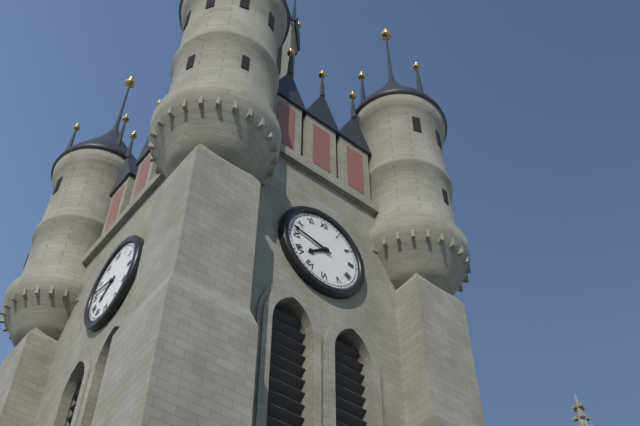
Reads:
h=7 m=47
